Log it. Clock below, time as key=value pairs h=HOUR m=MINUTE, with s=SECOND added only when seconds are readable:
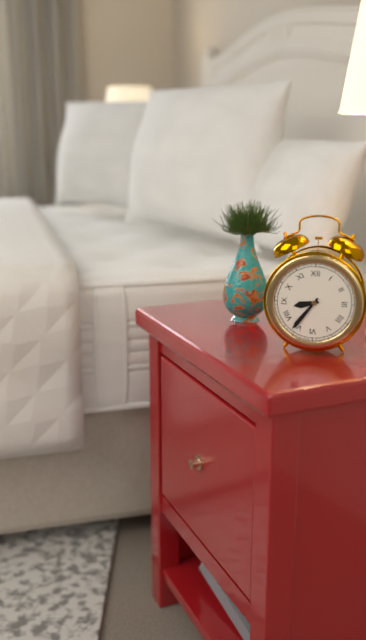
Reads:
h=8 m=36
